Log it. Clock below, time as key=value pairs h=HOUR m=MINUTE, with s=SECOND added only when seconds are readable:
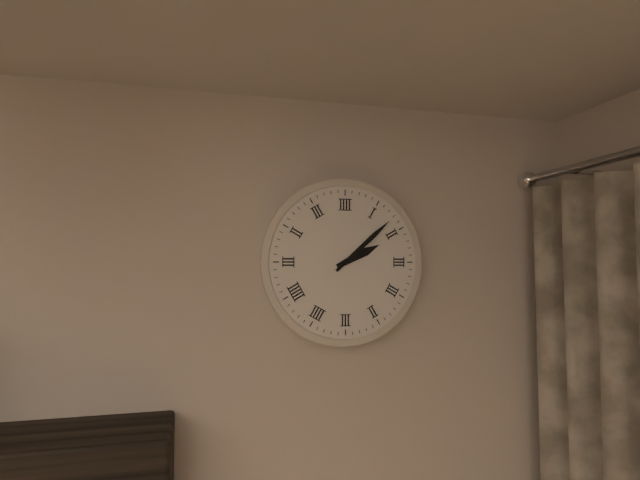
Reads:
h=2 m=8
